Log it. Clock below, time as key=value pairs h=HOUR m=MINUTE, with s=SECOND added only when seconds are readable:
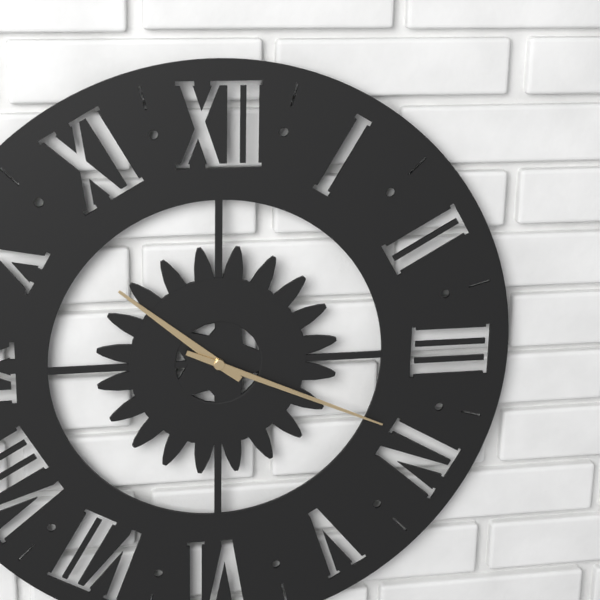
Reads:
h=10 m=19
